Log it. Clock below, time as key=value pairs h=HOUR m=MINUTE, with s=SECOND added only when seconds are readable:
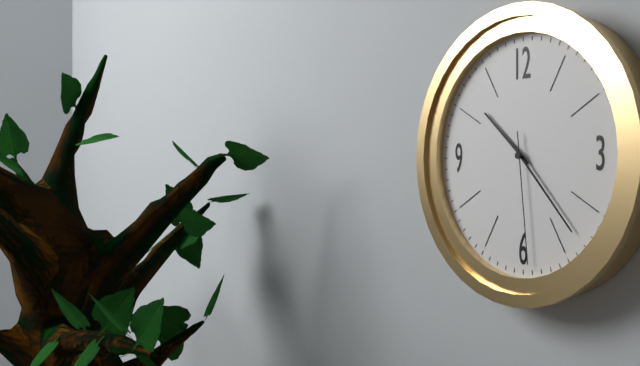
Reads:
h=10 m=23 s=29
